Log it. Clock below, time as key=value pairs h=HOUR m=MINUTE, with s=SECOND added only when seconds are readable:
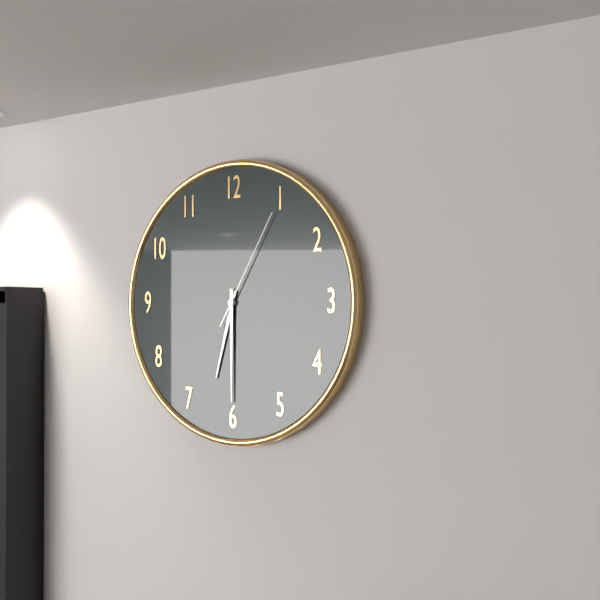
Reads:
h=6 m=30 s=5
